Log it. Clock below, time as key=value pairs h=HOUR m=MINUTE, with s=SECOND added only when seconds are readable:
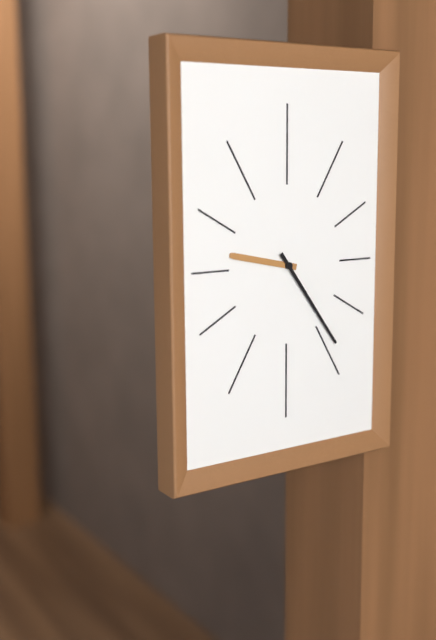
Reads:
h=9 m=24
